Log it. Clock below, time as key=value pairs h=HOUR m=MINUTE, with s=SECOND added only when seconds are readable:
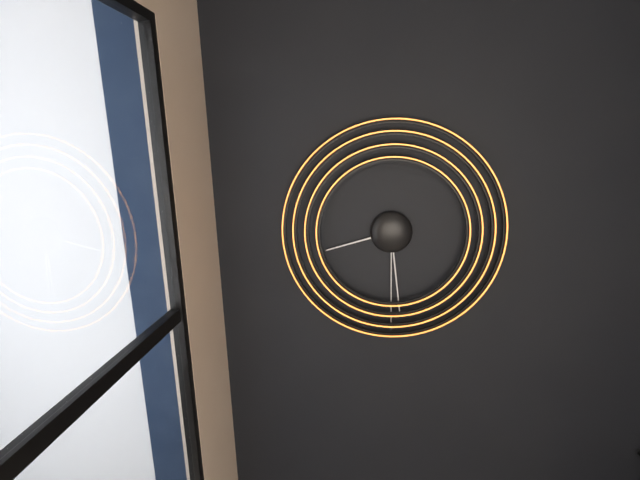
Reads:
h=8 m=29 s=30
